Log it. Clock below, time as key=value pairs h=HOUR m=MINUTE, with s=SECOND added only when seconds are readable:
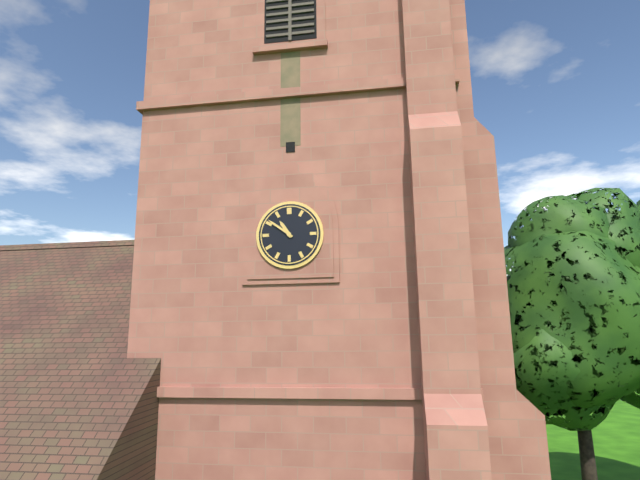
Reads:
h=10 m=51
